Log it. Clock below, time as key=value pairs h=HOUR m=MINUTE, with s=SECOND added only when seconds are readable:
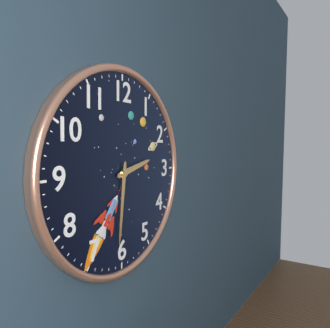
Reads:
h=2 m=31
